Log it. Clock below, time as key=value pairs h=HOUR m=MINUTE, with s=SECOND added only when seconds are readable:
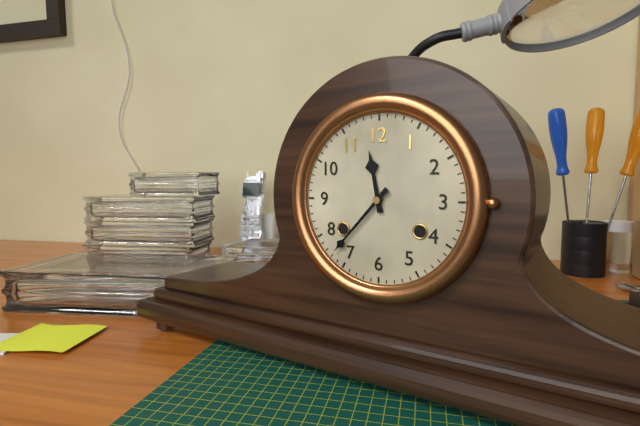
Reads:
h=11 m=37
